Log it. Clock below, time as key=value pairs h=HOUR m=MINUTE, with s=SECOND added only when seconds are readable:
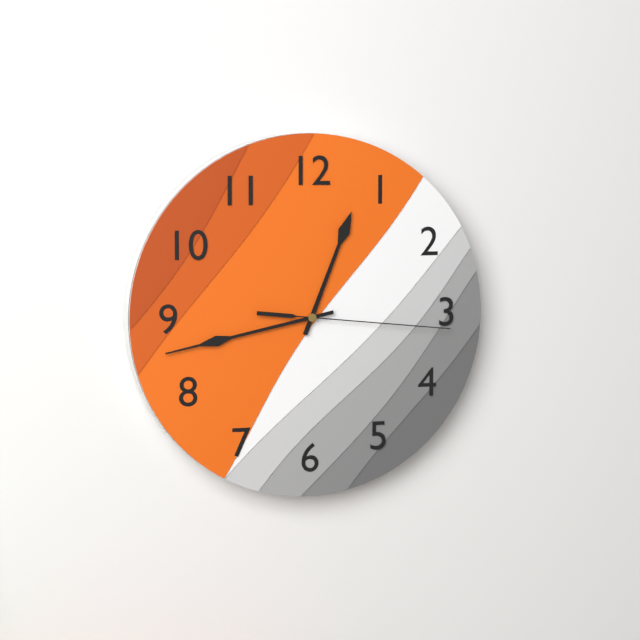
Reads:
h=12 m=43 s=16
